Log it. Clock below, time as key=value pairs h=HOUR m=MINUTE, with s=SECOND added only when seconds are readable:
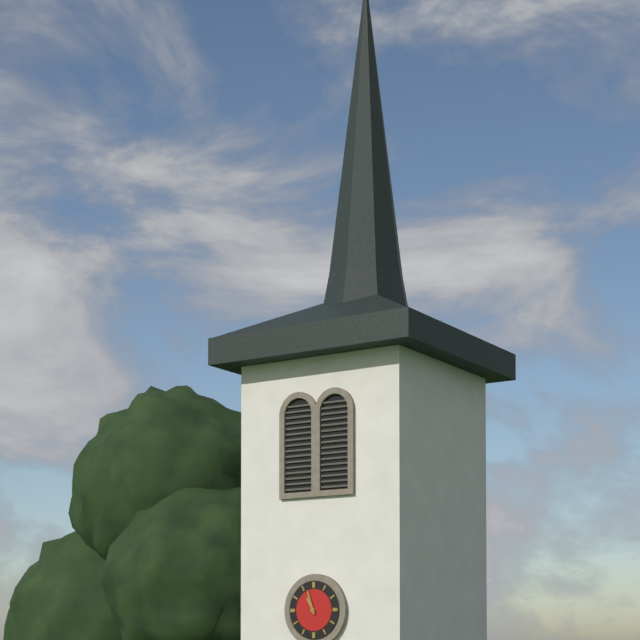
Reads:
h=10 m=57
